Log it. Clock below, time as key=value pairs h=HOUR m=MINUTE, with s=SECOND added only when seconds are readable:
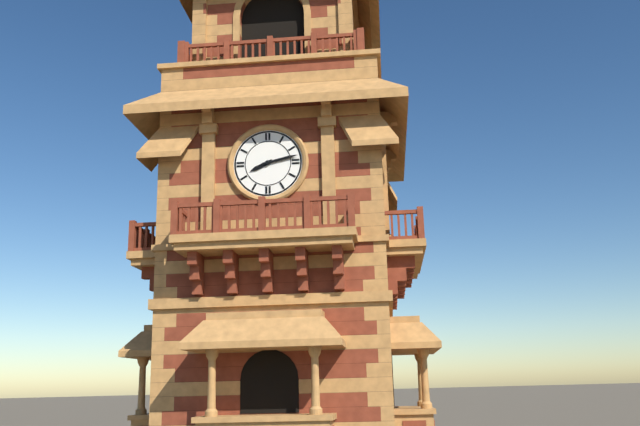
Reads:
h=8 m=13
